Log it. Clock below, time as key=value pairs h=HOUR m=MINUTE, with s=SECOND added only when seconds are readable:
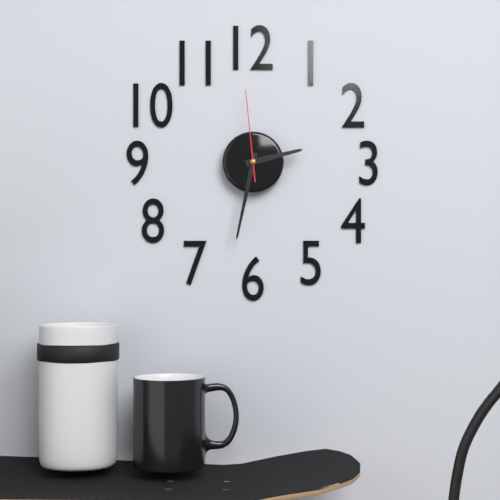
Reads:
h=2 m=32 s=59
